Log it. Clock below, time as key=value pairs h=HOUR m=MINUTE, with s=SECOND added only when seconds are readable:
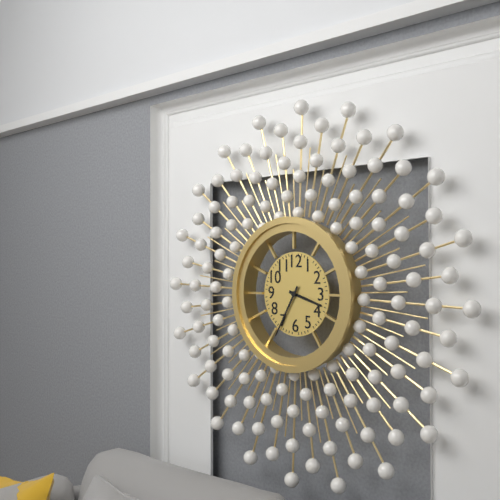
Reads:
h=3 m=35
